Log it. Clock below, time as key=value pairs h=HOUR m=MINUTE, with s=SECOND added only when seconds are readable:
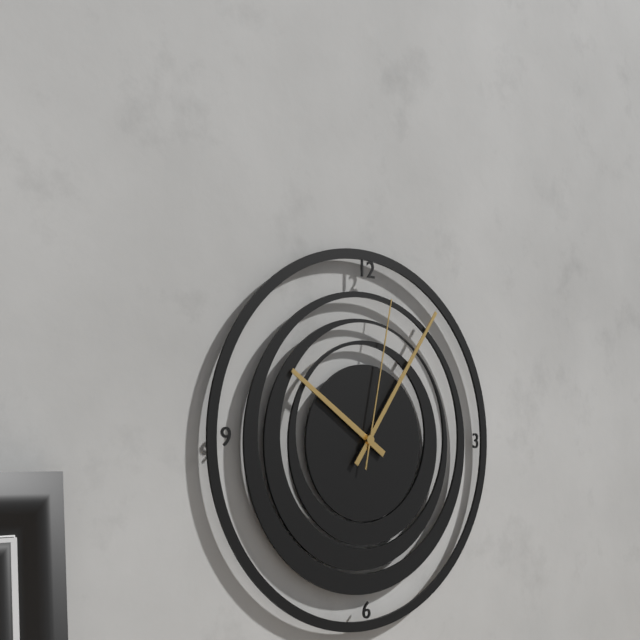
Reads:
h=10 m=6 s=2
